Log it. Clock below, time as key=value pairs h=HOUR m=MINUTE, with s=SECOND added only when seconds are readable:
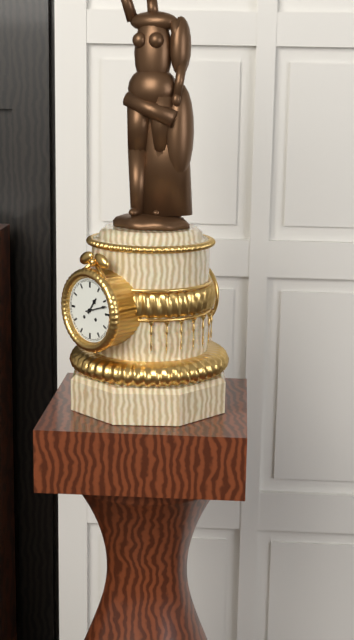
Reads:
h=1 m=12
